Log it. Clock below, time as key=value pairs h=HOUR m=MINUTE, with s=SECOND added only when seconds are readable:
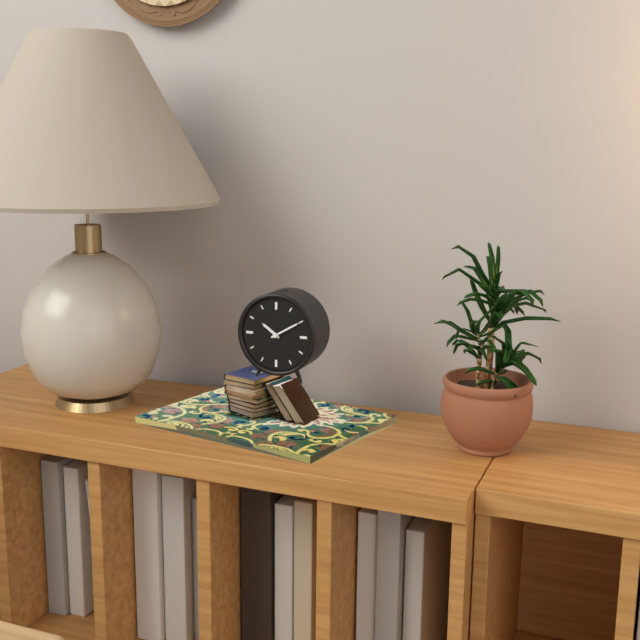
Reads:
h=10 m=10
